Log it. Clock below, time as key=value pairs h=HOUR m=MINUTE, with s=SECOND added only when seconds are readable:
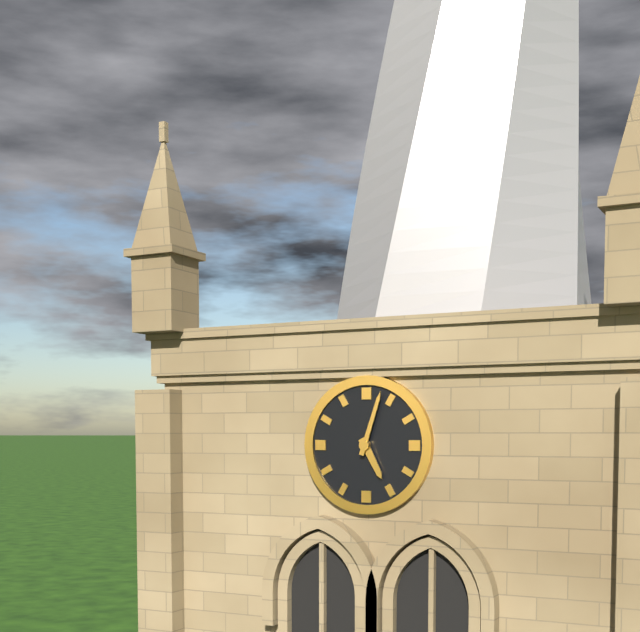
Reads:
h=5 m=3
